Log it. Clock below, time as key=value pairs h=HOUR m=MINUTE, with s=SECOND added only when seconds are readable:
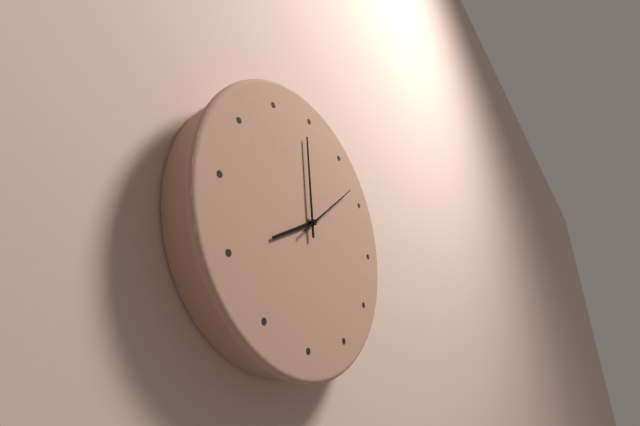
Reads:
h=7 m=59 s=8
